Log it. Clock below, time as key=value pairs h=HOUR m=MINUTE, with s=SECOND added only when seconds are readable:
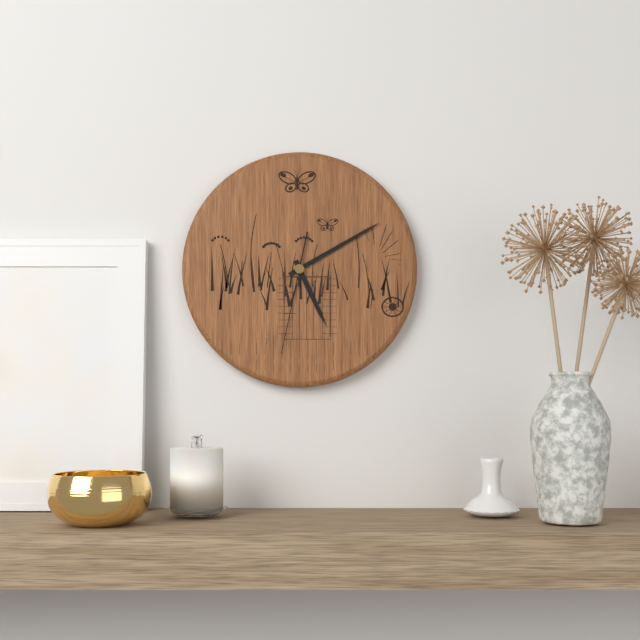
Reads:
h=5 m=10 s=32
